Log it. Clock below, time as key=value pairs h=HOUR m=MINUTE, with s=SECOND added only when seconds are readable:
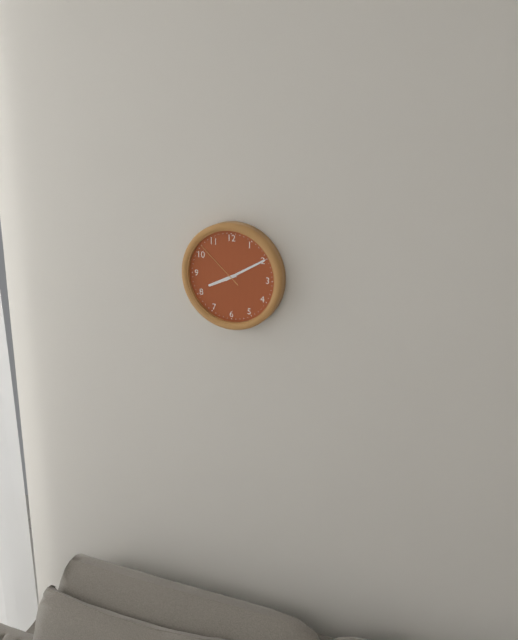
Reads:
h=8 m=10 s=52
